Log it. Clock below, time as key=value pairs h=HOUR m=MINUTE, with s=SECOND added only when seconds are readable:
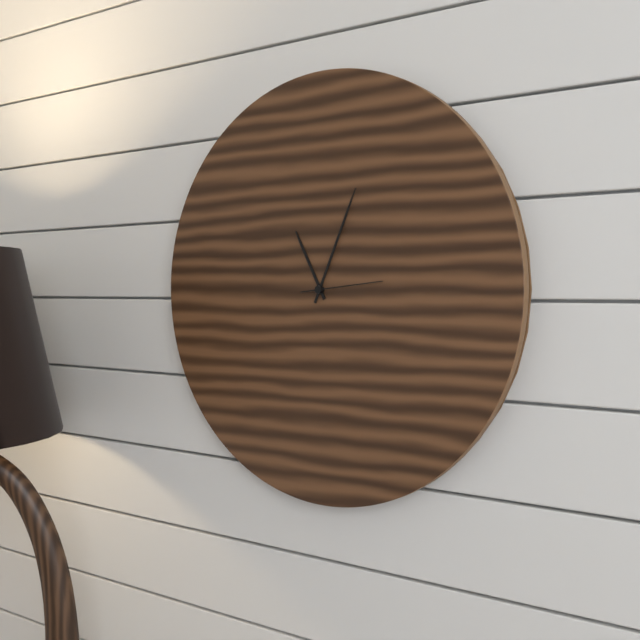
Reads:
h=11 m=4 s=14
